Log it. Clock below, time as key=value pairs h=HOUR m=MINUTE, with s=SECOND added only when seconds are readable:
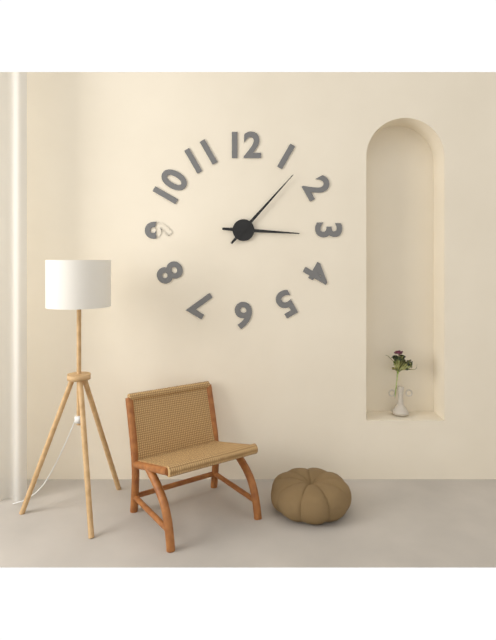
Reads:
h=3 m=7
